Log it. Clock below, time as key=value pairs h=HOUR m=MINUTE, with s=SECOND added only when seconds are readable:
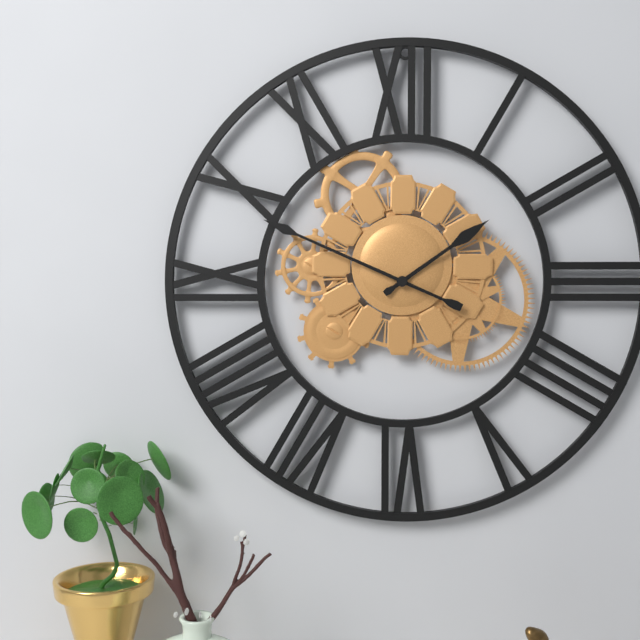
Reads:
h=1 m=49
